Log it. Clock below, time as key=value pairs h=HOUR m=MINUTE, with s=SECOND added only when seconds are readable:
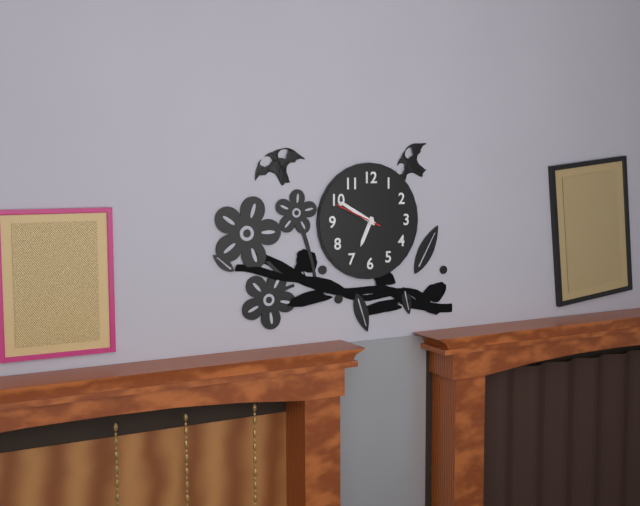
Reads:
h=6 m=50 s=49
